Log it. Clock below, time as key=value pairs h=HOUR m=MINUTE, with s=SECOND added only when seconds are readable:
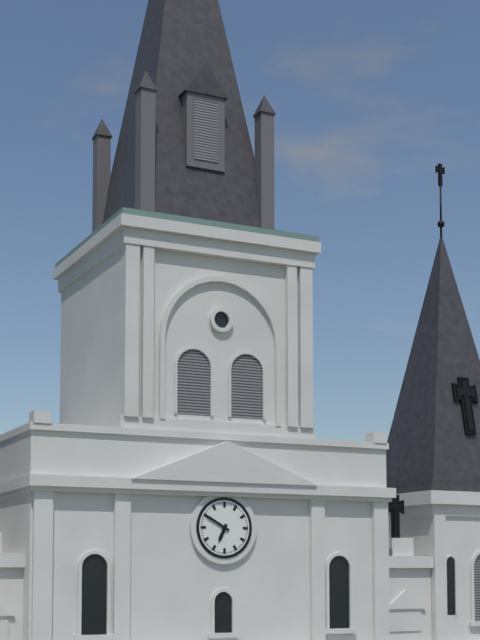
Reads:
h=6 m=50
